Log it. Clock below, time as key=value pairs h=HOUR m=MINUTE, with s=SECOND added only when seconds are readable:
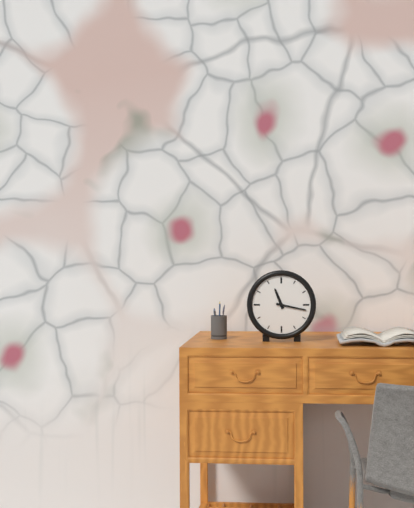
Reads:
h=11 m=17
